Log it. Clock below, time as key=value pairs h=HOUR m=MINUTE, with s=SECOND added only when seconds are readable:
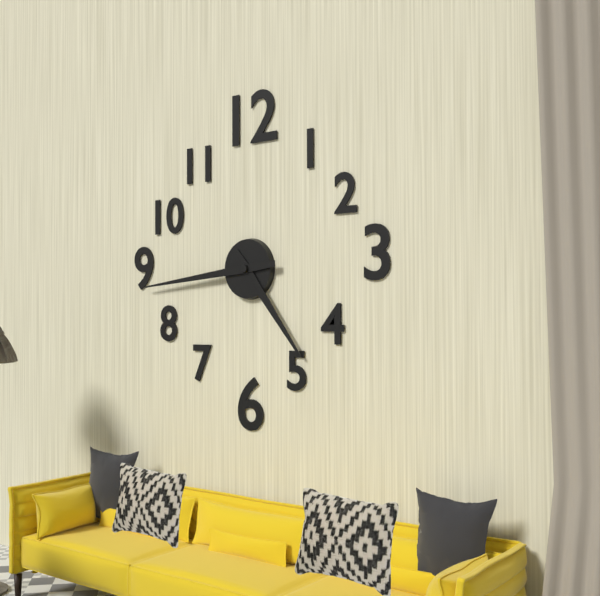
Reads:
h=4 m=44
